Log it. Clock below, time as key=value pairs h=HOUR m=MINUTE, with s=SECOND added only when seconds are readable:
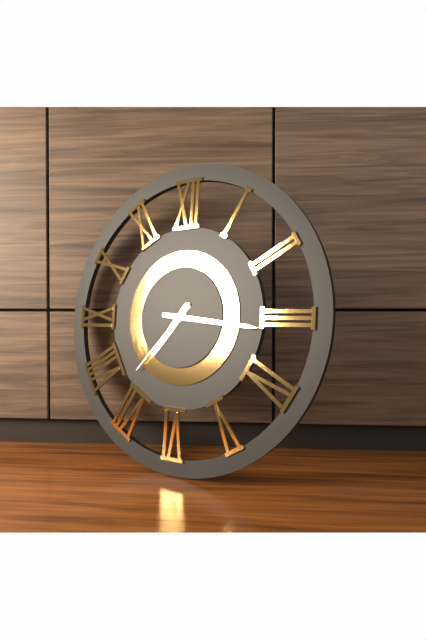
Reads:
h=7 m=16 s=37
